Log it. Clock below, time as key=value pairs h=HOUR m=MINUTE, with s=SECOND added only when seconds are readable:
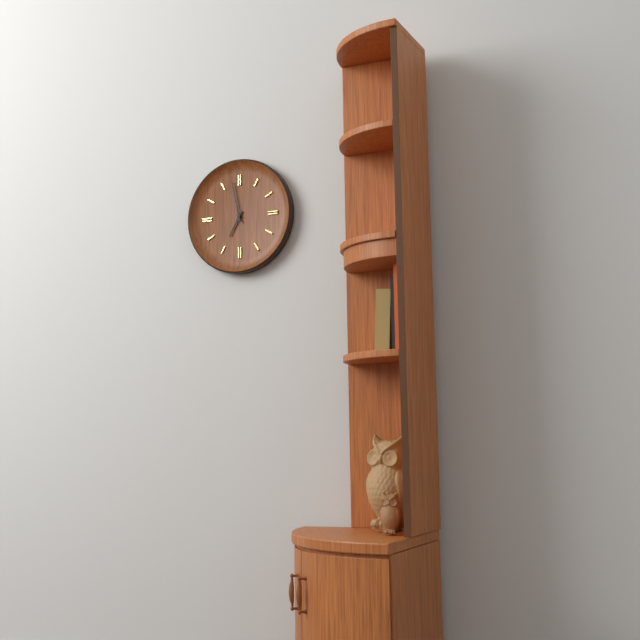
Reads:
h=6 m=58
